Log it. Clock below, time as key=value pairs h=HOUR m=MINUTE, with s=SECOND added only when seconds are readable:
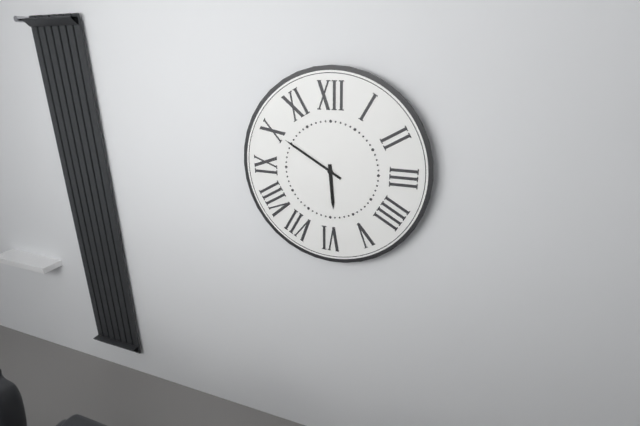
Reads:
h=5 m=50
